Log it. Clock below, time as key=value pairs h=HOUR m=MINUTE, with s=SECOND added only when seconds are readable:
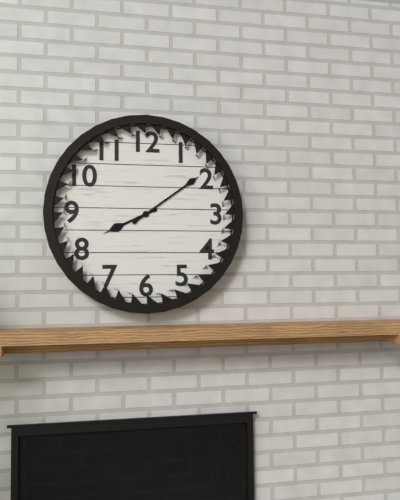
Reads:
h=8 m=9
